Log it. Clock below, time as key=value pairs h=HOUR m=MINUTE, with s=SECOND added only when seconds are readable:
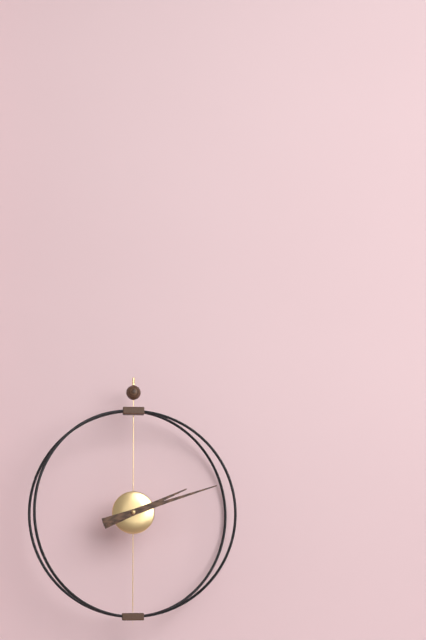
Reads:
h=2 m=12
